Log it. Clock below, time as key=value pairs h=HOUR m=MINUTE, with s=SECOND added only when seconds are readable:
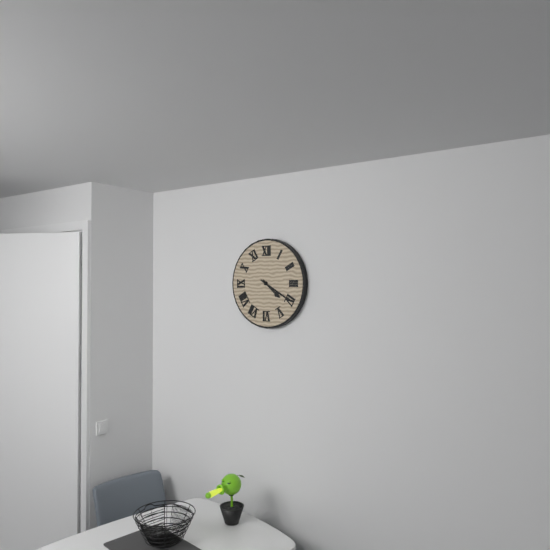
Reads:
h=4 m=20
